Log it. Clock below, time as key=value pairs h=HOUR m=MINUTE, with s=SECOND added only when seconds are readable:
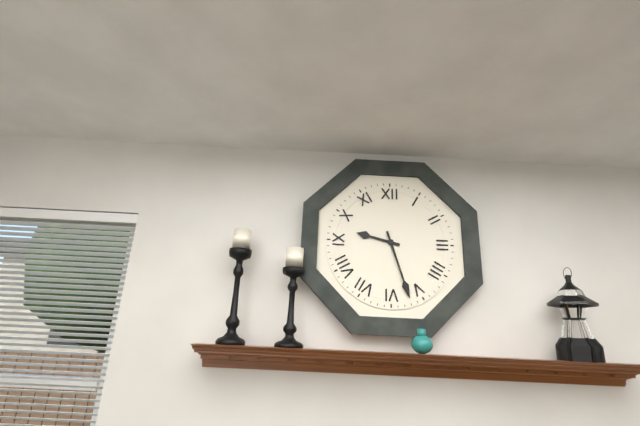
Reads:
h=9 m=27
